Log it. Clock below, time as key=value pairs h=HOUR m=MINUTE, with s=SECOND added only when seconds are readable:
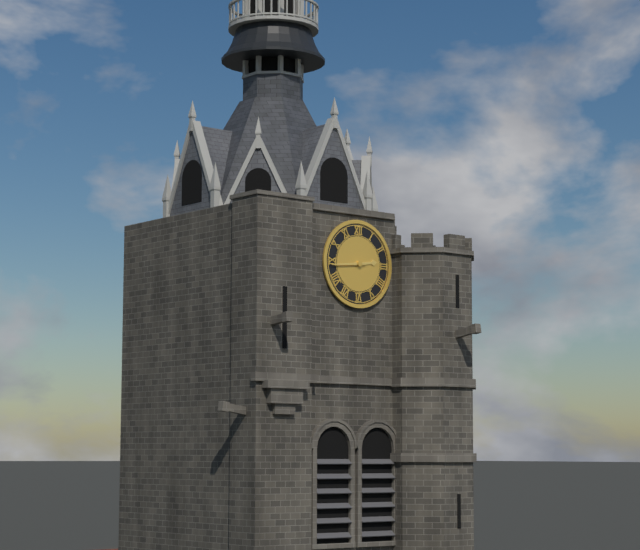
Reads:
h=2 m=44
